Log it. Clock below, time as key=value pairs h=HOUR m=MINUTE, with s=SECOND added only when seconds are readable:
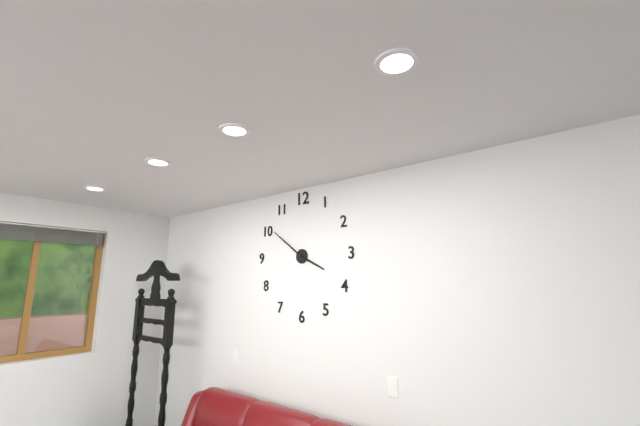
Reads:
h=3 m=51
